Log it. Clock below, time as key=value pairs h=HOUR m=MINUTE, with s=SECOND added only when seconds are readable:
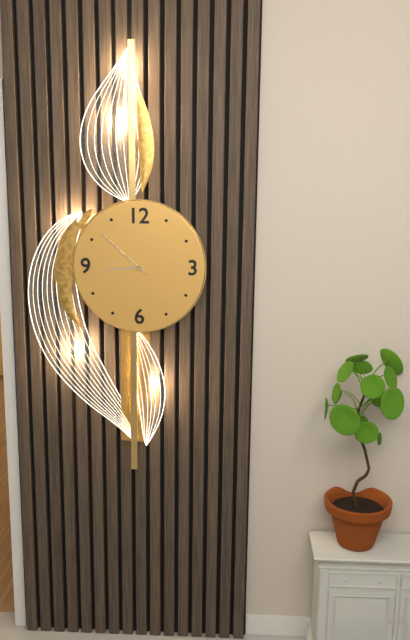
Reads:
h=8 m=52 s=52
